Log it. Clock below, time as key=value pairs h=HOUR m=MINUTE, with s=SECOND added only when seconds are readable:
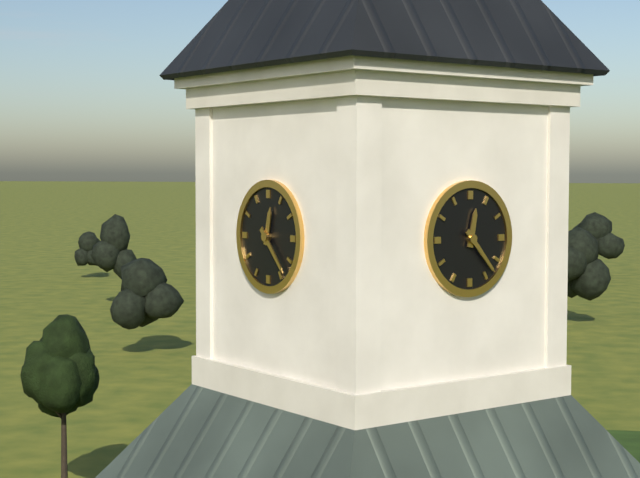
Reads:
h=12 m=23
